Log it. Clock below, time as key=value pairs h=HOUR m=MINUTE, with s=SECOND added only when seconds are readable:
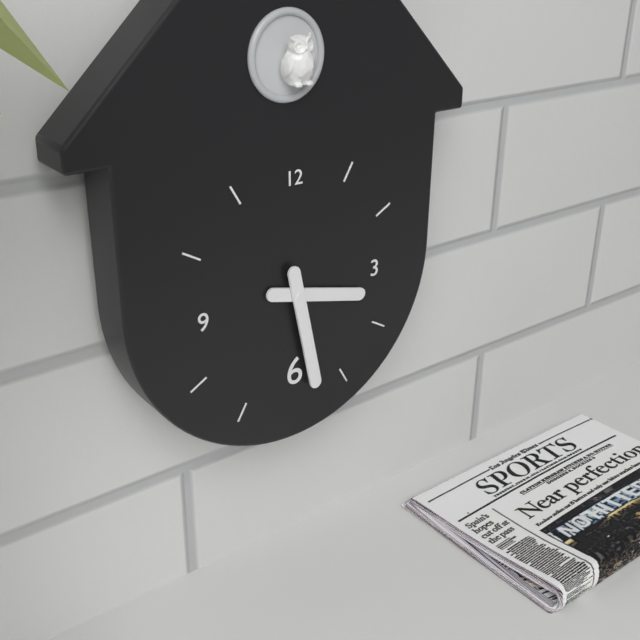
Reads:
h=3 m=28
